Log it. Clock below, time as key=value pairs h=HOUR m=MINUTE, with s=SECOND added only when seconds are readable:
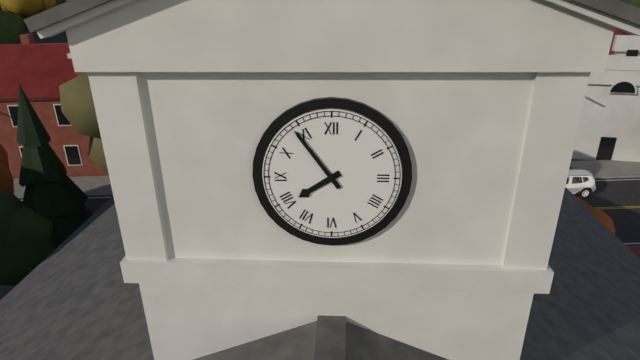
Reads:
h=7 m=54
